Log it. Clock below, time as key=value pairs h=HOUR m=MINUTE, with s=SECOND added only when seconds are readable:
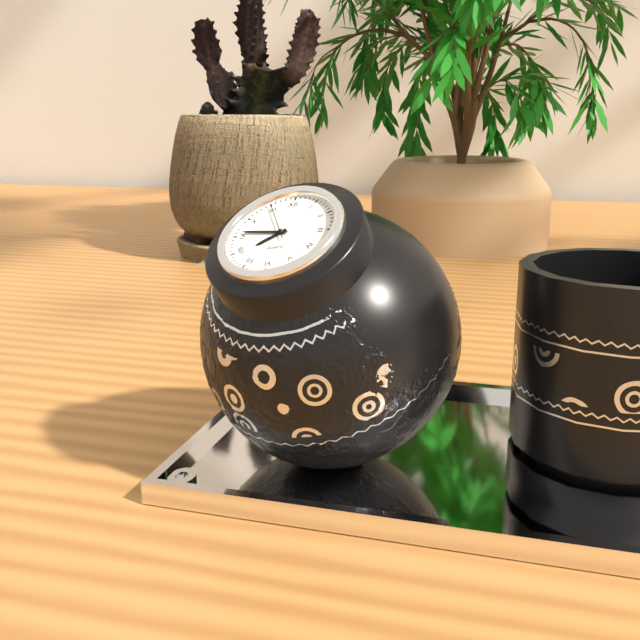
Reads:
h=7 m=46 s=55
